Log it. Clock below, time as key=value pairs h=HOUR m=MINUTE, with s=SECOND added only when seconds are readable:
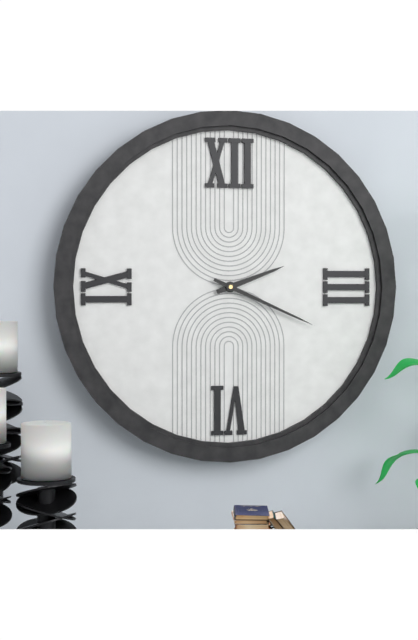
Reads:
h=2 m=19
